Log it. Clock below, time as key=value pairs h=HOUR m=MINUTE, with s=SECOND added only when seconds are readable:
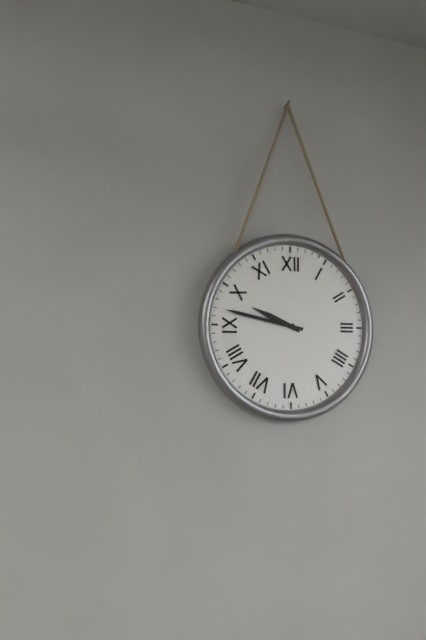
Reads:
h=9 m=47
